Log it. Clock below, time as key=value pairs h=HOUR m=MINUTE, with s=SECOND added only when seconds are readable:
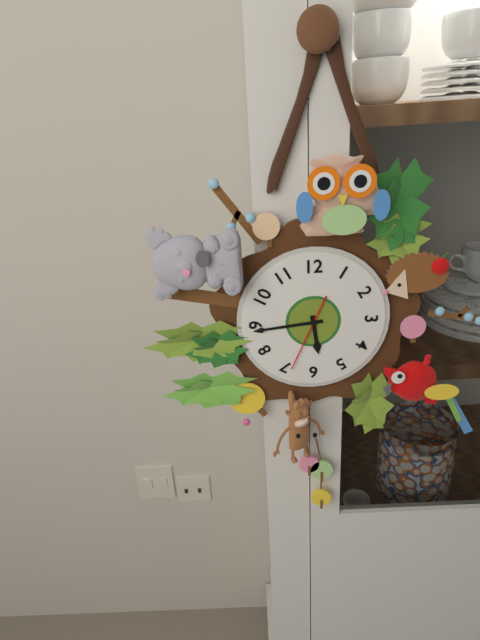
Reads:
h=5 m=44 s=34
